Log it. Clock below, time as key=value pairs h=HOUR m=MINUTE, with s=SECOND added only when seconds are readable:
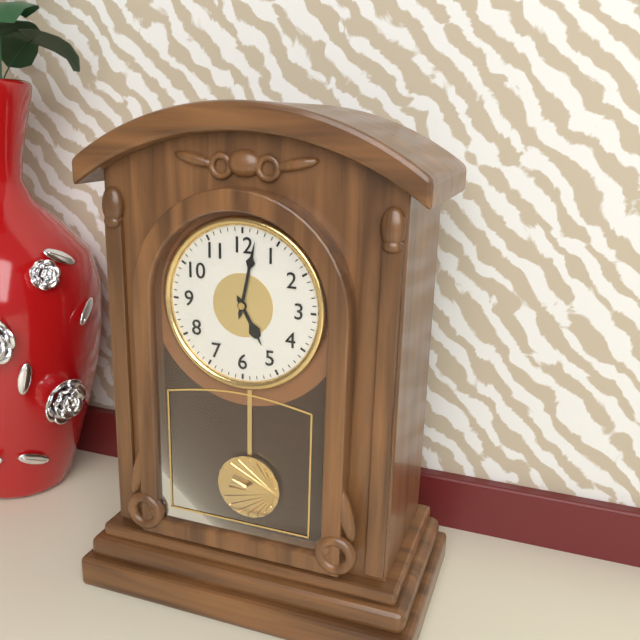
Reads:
h=5 m=2
